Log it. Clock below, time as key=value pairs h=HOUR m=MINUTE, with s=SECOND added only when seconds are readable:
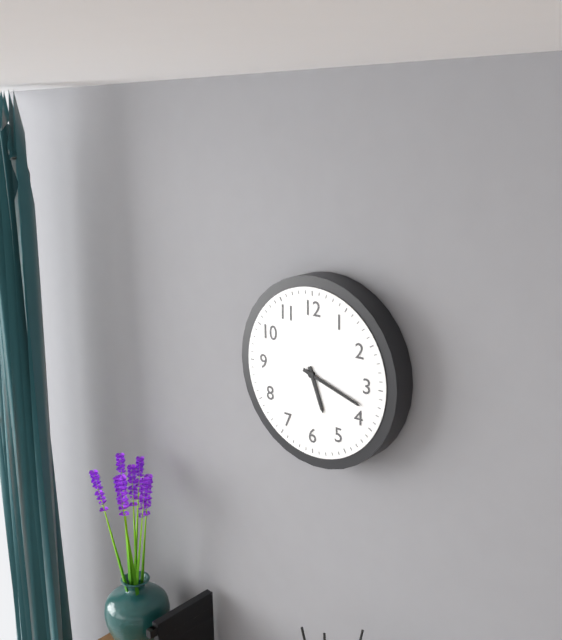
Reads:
h=5 m=18
